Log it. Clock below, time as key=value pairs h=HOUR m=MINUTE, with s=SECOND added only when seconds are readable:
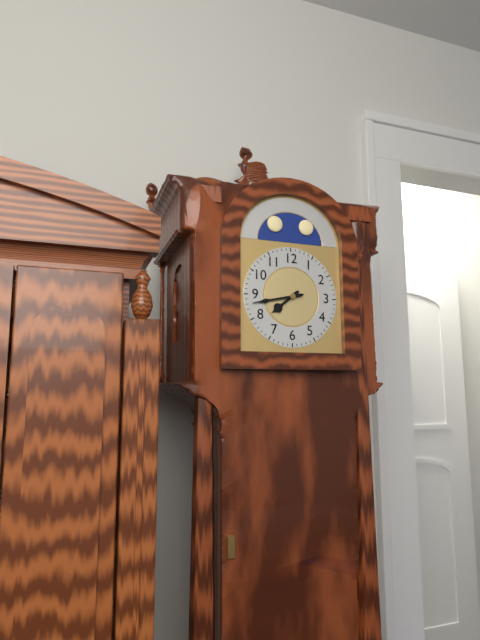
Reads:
h=7 m=43
